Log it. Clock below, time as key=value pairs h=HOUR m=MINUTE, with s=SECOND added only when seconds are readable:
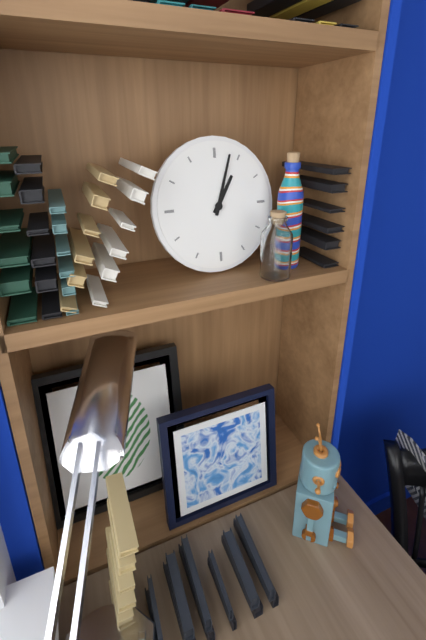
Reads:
h=1 m=3
